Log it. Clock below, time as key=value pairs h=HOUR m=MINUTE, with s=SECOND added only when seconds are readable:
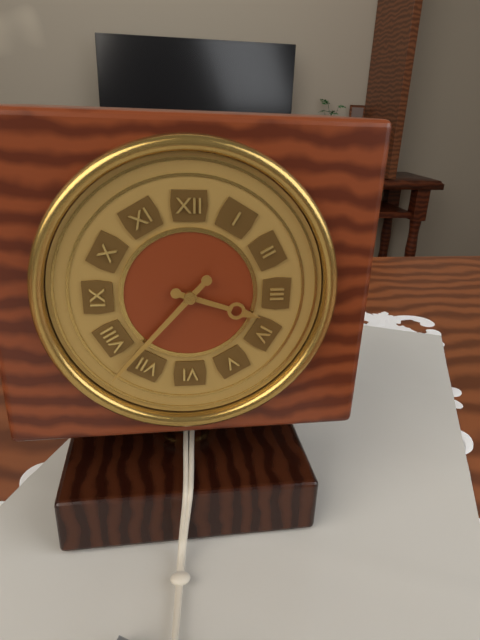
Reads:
h=3 m=37
